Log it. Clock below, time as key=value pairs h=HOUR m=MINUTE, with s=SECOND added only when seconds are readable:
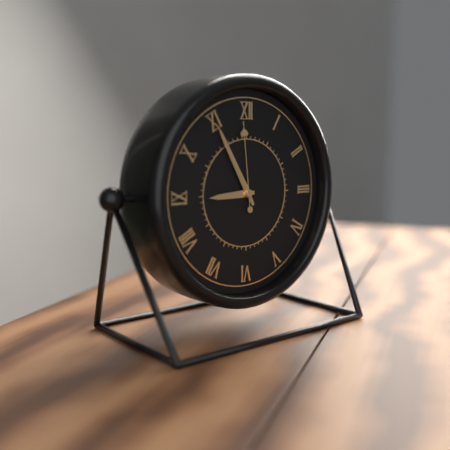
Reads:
h=8 m=55 s=59
